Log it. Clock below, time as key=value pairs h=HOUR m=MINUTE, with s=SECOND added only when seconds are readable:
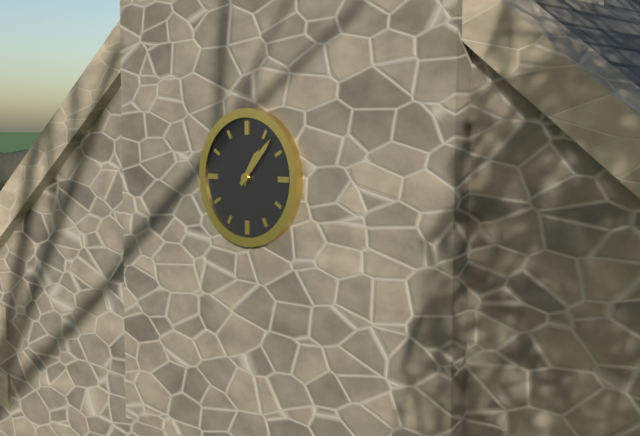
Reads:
h=1 m=7
